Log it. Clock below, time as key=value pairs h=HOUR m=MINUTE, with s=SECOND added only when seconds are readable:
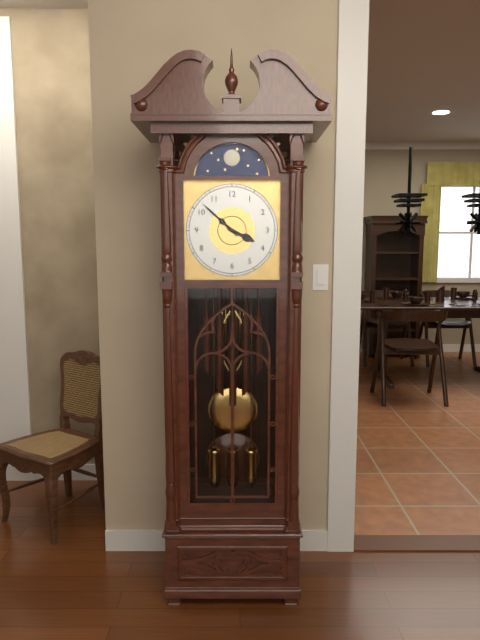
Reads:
h=3 m=52
